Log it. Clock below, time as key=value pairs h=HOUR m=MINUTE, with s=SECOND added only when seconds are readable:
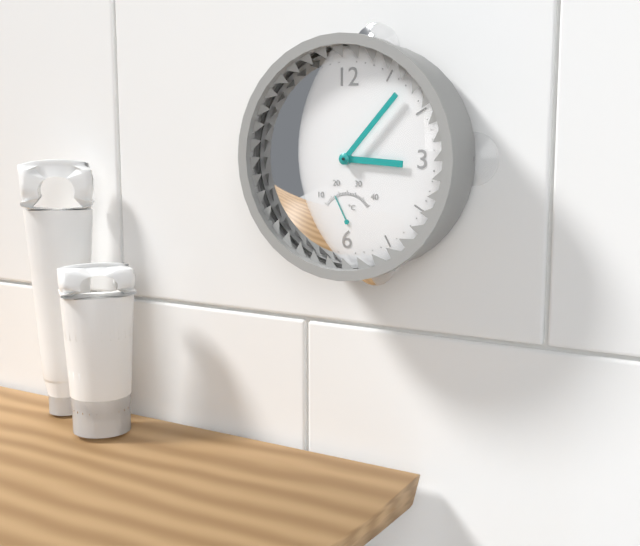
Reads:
h=3 m=7
